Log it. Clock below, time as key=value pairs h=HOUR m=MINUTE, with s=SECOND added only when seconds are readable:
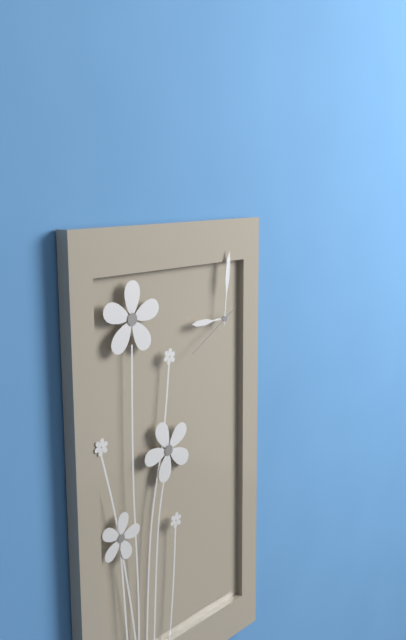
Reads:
h=9 m=1 s=40
